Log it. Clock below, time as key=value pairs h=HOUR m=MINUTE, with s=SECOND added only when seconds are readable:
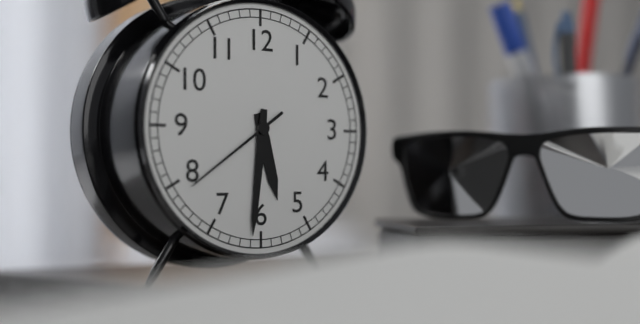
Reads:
h=5 m=31 s=39
